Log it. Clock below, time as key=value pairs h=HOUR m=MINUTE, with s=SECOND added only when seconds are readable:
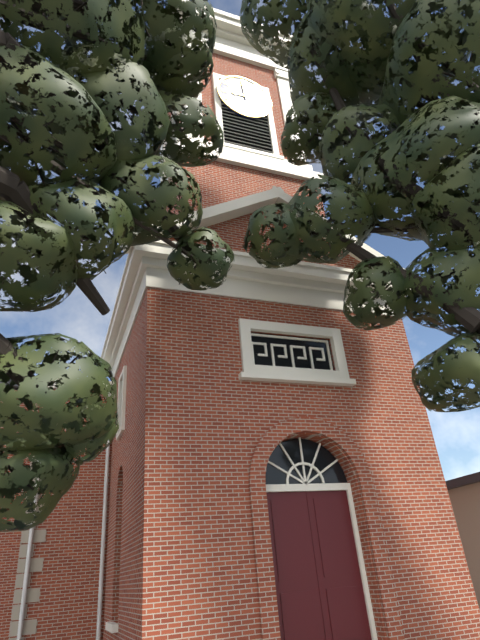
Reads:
h=8 m=59
